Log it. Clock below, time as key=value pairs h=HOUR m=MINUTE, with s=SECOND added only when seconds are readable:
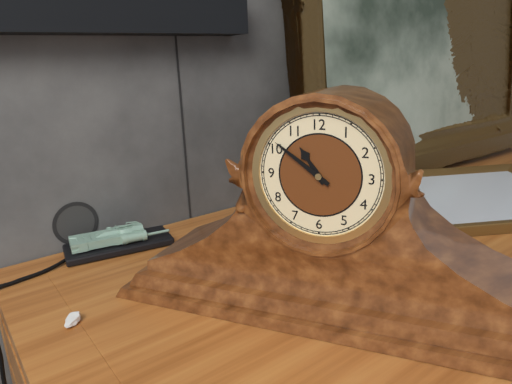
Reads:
h=10 m=51
